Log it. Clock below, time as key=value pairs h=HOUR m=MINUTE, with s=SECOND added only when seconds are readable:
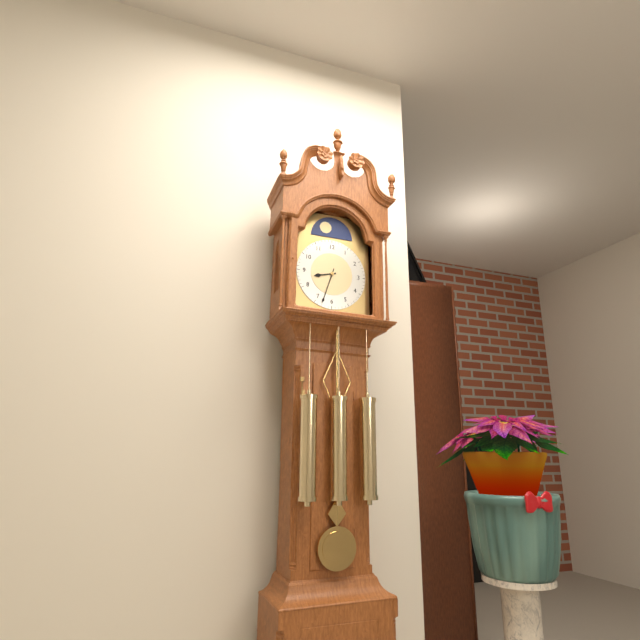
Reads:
h=8 m=33
